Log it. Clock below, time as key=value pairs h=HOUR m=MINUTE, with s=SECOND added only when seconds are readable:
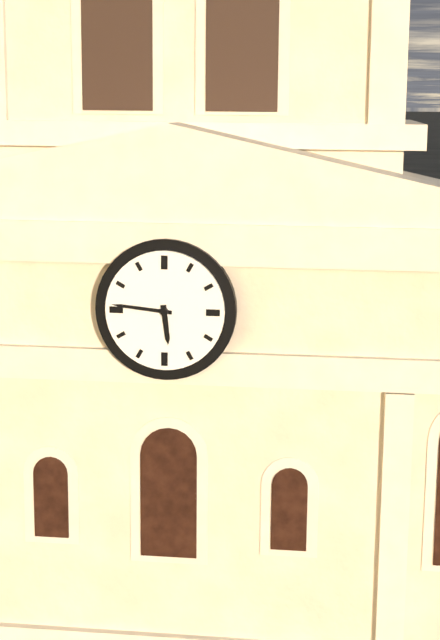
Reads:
h=5 m=46
